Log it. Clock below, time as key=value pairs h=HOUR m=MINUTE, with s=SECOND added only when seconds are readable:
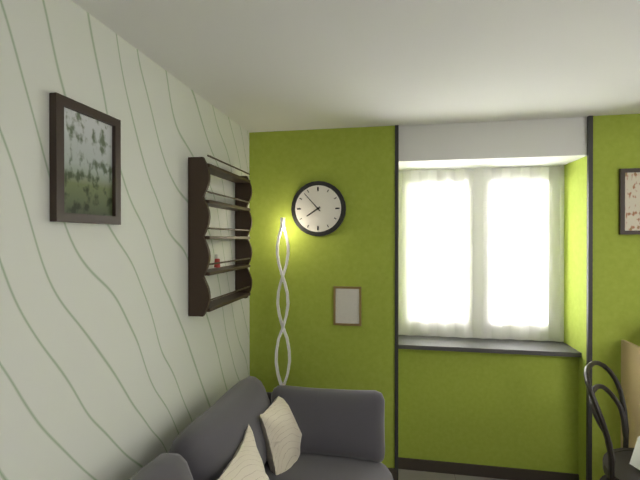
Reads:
h=7 m=53
